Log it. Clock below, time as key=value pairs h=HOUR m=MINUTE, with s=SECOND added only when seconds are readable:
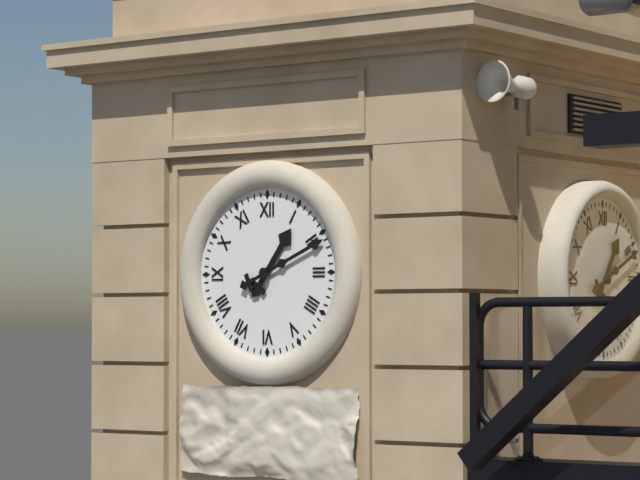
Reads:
h=1 m=11
